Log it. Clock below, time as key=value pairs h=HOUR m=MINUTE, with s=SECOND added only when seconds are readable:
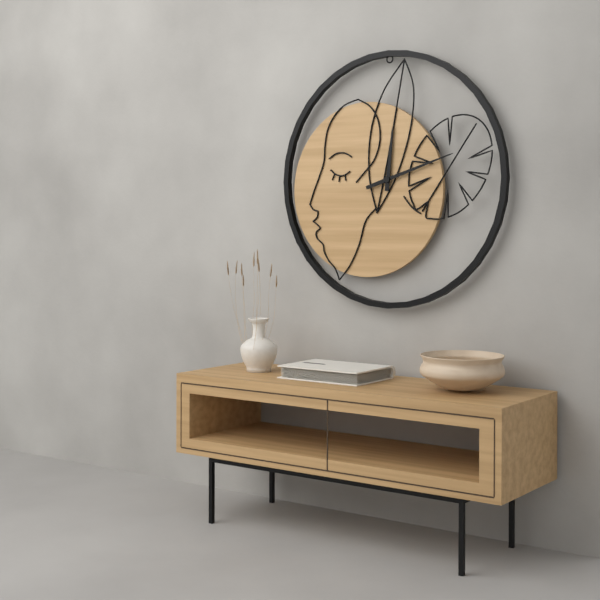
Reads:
h=12 m=12
